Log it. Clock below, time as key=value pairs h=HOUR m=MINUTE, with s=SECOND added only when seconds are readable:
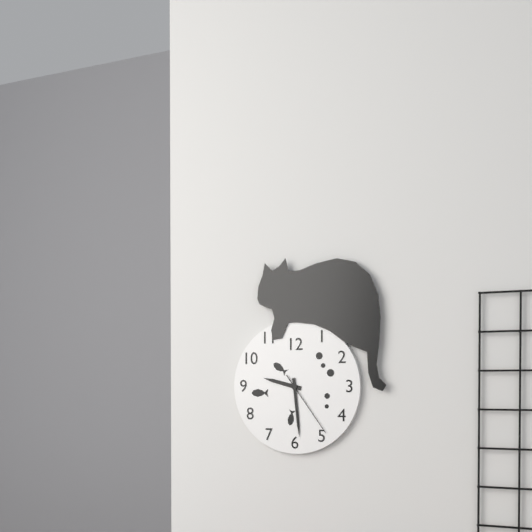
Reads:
h=9 m=29 s=24
